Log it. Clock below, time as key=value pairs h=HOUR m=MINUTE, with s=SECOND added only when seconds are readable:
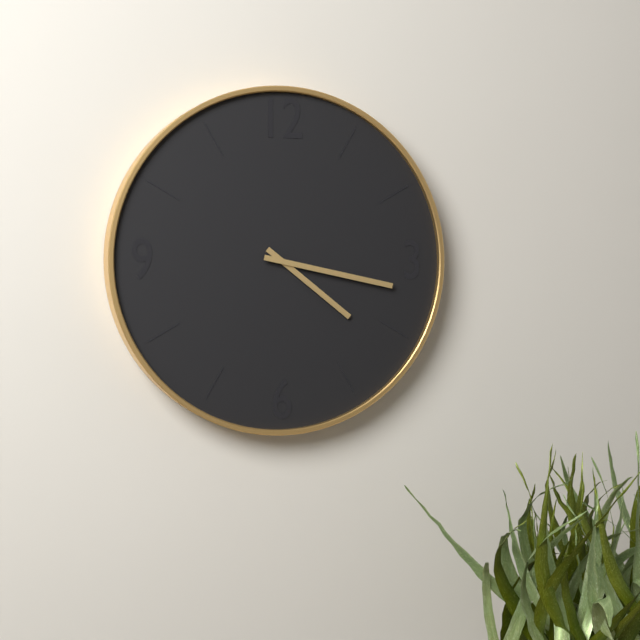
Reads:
h=4 m=17
